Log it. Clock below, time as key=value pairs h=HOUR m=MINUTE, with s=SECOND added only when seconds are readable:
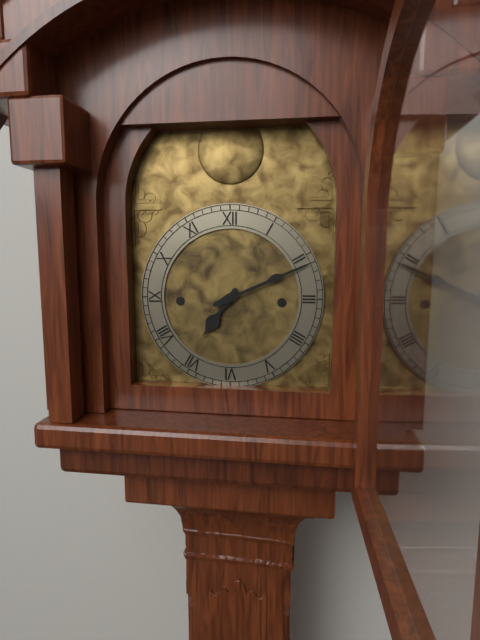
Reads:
h=7 m=11
